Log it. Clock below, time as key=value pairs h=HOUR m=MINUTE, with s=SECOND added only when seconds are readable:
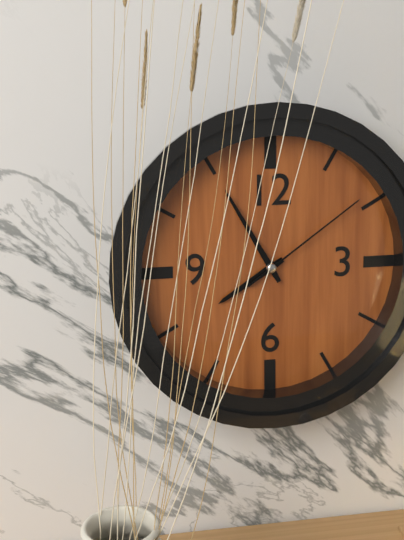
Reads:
h=7 m=55 s=9
